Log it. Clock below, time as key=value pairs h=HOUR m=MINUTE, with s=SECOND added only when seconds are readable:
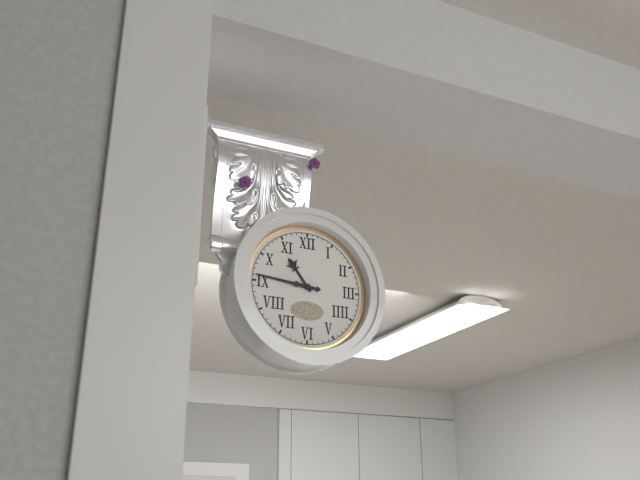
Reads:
h=10 m=46
